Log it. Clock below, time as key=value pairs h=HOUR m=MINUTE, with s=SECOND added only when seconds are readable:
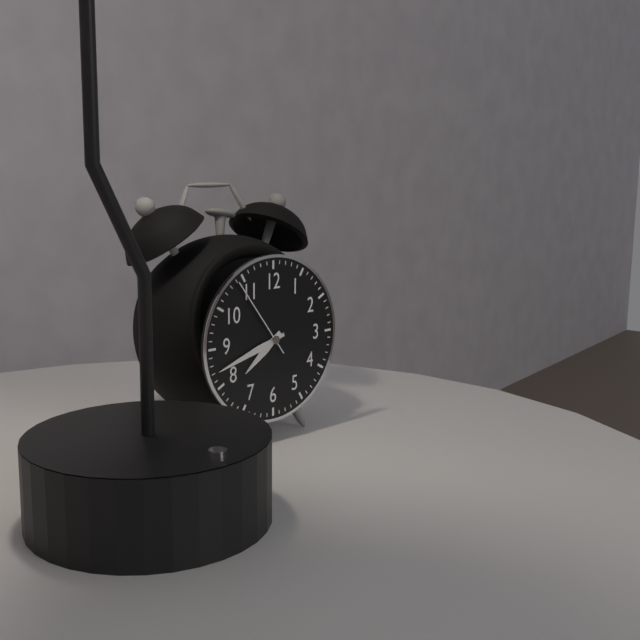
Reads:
h=7 m=42 s=54
